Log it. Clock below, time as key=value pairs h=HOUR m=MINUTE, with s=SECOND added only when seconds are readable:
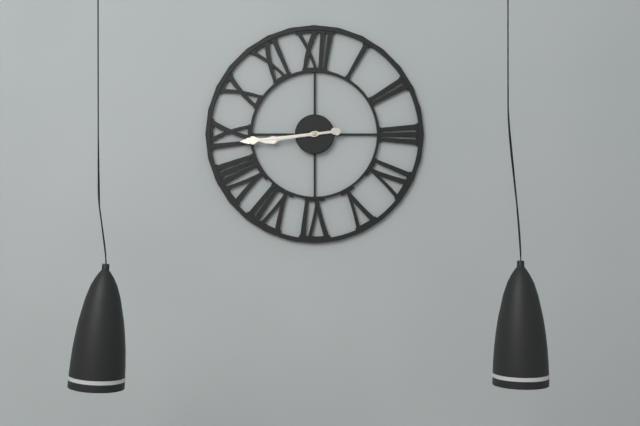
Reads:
h=8 m=44
